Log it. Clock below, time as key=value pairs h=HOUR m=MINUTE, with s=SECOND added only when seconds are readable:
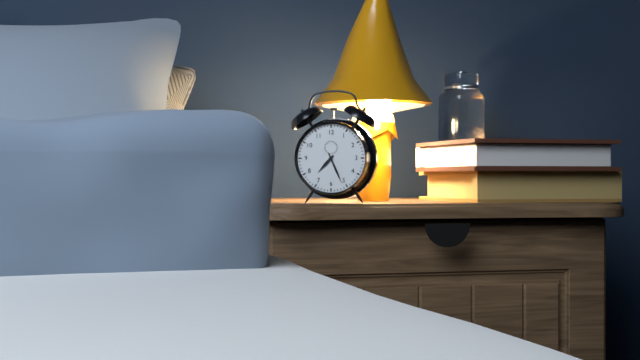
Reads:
h=7 m=26
